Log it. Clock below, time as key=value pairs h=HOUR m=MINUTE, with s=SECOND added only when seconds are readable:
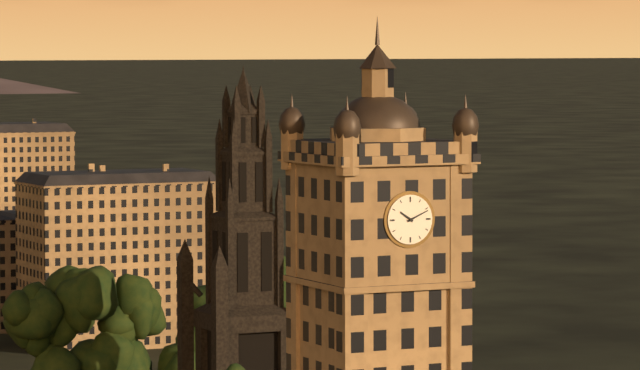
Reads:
h=10 m=11
